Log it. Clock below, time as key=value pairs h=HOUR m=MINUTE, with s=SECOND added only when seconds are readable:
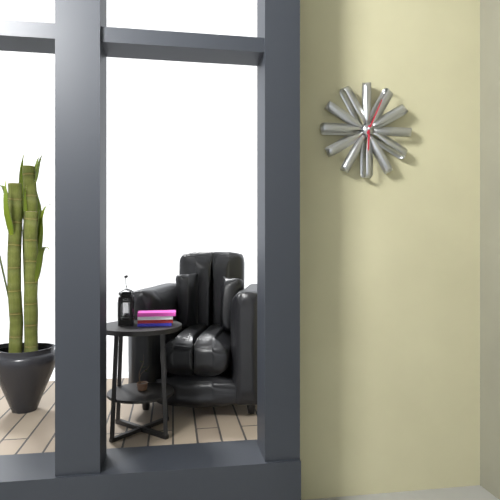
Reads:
h=6 m=4
